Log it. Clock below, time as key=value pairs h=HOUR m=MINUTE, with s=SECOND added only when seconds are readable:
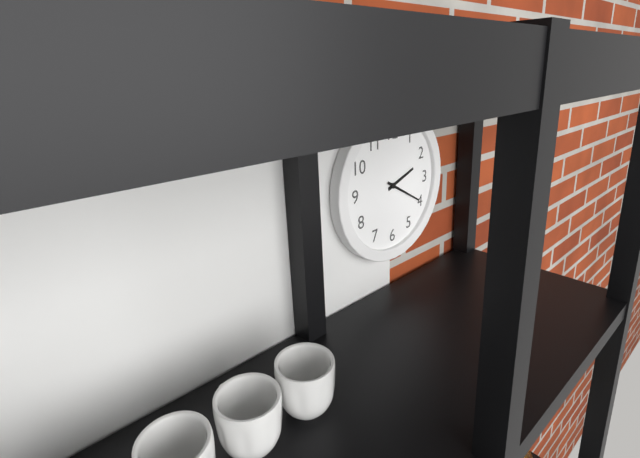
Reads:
h=2 m=20
